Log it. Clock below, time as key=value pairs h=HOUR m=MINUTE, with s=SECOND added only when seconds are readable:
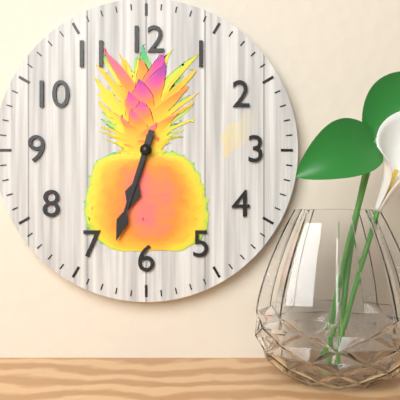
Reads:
h=6 m=33
